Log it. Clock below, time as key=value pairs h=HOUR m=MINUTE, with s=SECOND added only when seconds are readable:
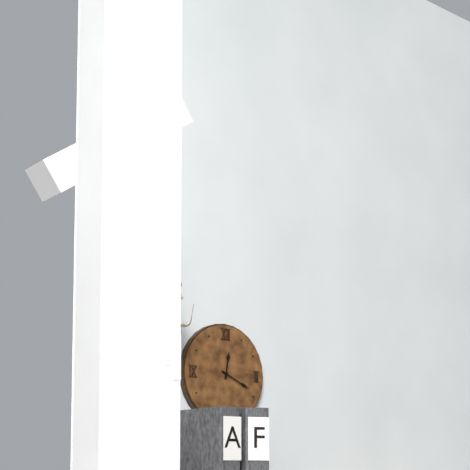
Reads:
h=12 m=19
